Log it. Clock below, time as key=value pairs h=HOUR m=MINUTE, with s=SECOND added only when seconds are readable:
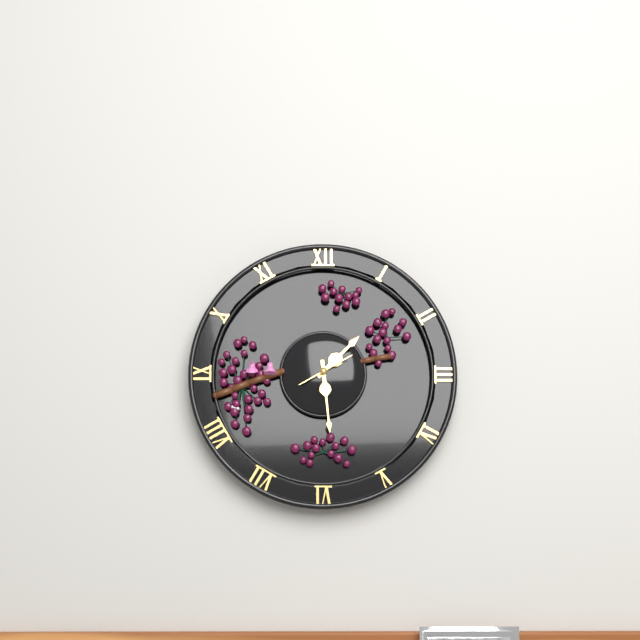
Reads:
h=1 m=29
